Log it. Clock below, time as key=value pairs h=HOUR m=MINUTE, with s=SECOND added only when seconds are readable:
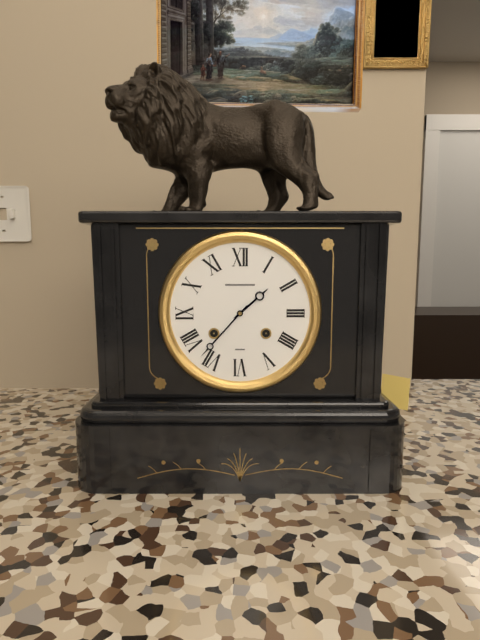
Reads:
h=1 m=37
